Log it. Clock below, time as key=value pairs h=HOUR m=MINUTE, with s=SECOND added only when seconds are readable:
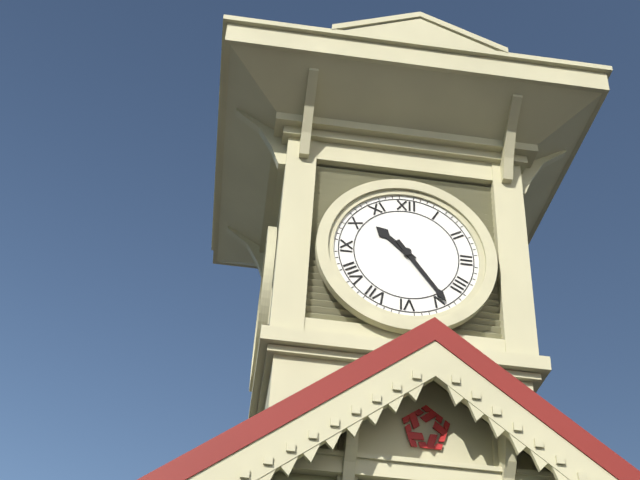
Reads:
h=10 m=24
